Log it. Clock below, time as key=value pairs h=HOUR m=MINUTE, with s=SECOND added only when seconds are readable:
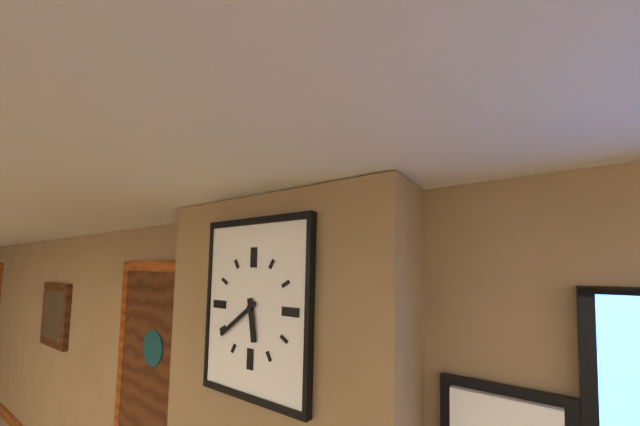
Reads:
h=5 m=39
